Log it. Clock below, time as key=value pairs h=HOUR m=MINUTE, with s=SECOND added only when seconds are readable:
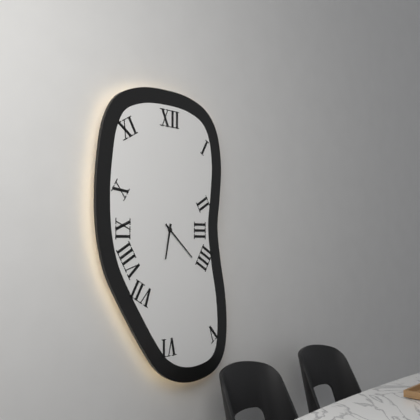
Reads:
h=6 m=22
